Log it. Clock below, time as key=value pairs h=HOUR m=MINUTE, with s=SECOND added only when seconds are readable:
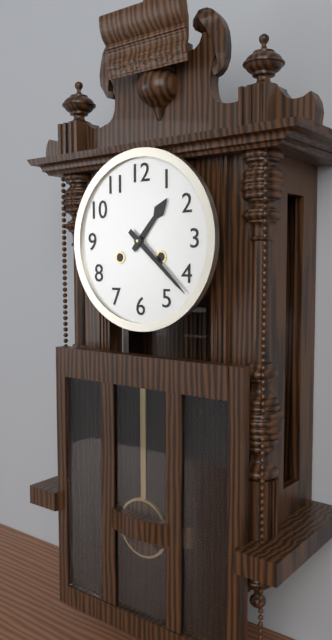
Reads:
h=1 m=22
